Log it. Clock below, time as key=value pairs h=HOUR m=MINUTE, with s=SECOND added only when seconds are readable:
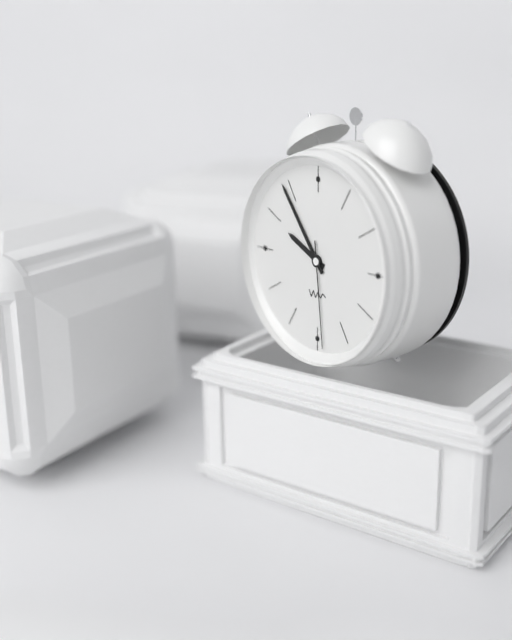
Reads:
h=9 m=54 s=29
